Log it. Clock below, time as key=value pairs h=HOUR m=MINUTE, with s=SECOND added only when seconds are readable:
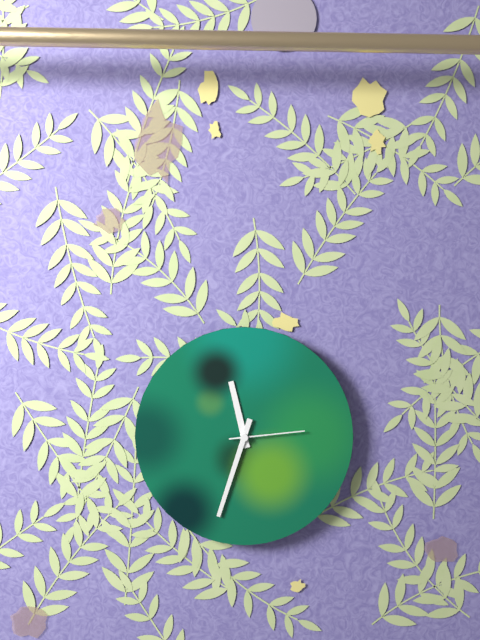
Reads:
h=11 m=33 s=14
